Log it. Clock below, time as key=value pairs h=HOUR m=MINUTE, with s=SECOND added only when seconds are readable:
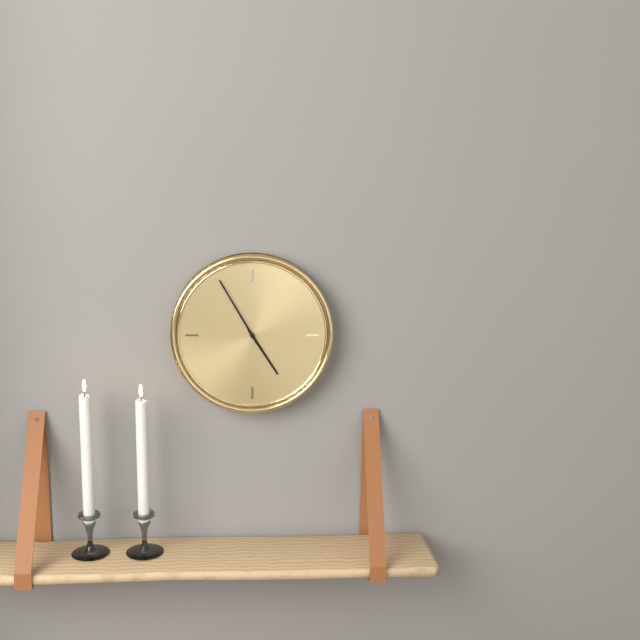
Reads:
h=4 m=55
